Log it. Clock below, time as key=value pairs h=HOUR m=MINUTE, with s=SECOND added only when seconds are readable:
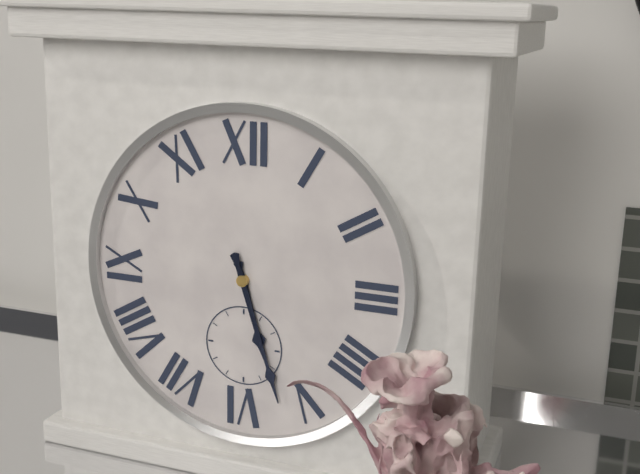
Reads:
h=5 m=27
